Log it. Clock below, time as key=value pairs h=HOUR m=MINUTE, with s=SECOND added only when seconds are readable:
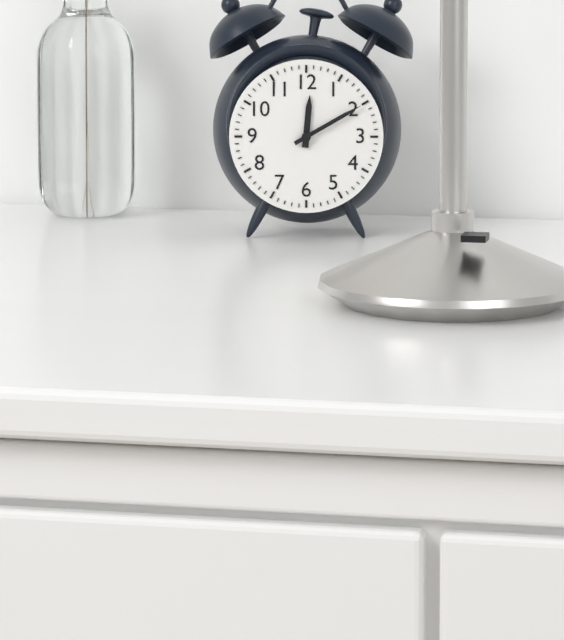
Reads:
h=12 m=10
